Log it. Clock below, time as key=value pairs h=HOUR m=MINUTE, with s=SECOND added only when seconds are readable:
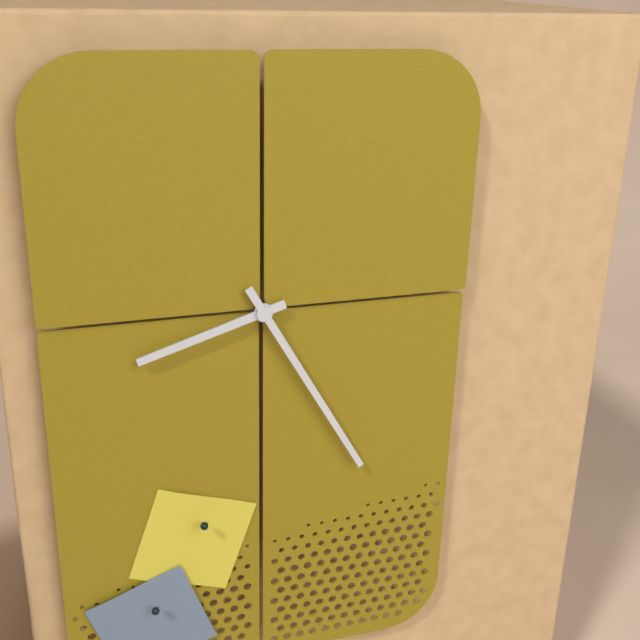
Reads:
h=8 m=25
